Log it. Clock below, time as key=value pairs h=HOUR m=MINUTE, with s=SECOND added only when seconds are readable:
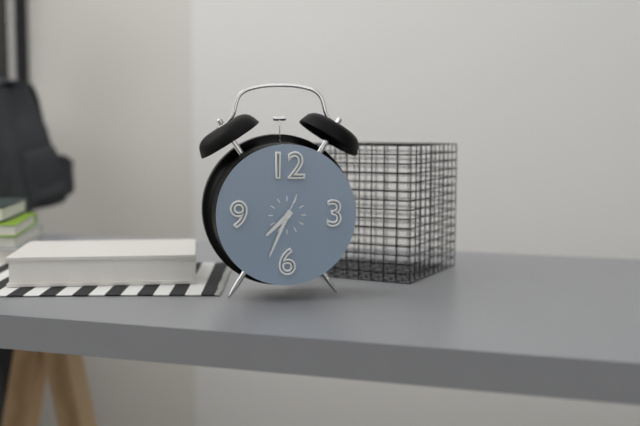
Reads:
h=7 m=34 s=34
